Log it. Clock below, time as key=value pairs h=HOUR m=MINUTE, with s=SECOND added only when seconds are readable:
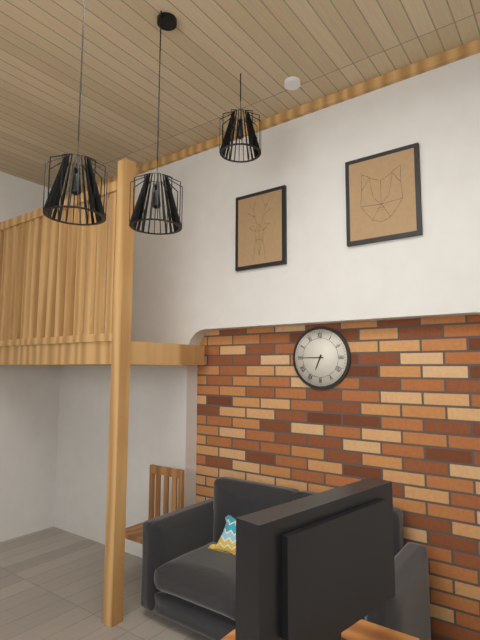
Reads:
h=6 m=45
